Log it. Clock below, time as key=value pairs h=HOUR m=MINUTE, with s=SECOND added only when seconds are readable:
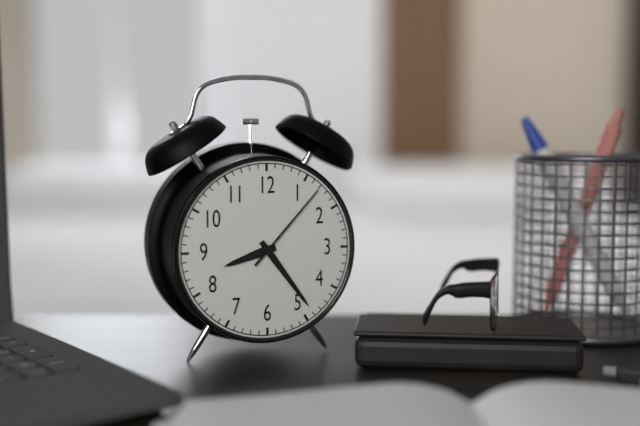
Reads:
h=8 m=24 s=7
